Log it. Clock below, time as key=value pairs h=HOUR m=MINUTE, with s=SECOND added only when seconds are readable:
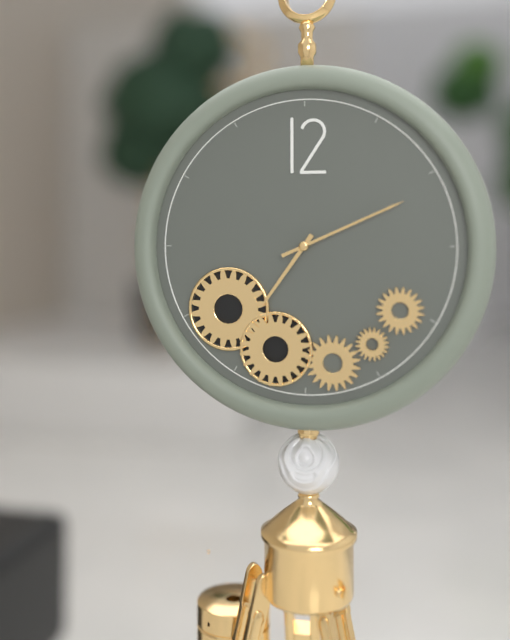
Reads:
h=7 m=11
